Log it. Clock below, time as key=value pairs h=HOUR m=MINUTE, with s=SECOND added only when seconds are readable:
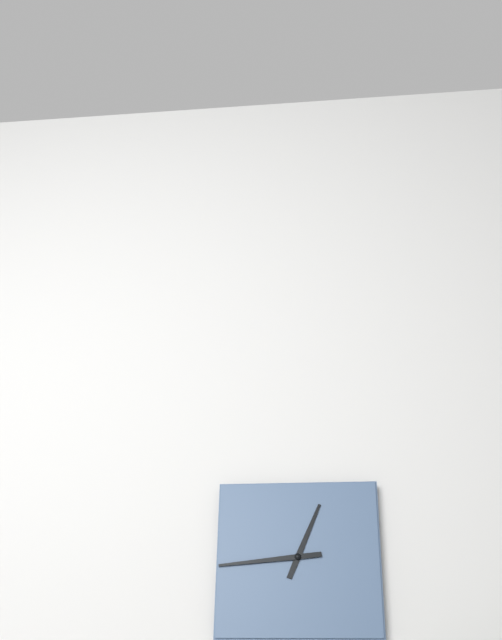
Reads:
h=12 m=44
